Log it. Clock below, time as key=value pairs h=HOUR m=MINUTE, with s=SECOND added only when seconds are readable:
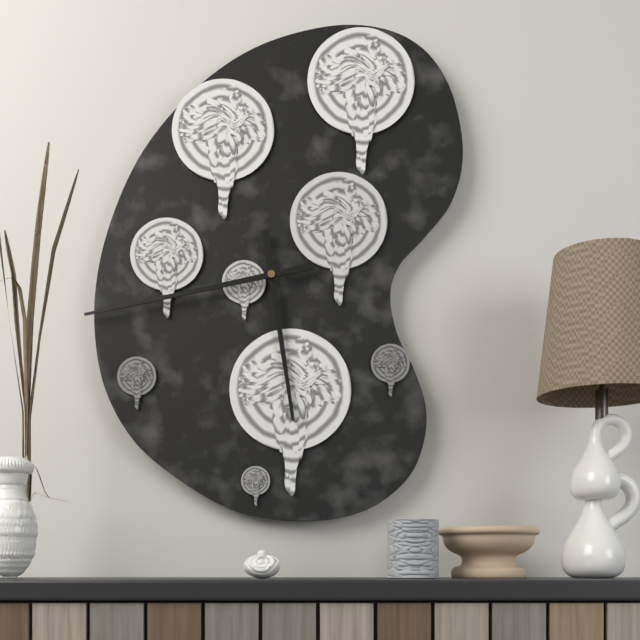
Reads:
h=5 m=43
